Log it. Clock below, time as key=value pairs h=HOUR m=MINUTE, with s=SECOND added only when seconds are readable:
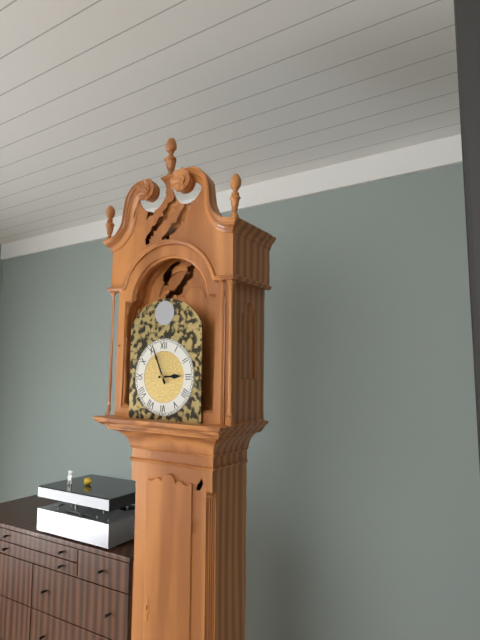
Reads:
h=2 m=56
